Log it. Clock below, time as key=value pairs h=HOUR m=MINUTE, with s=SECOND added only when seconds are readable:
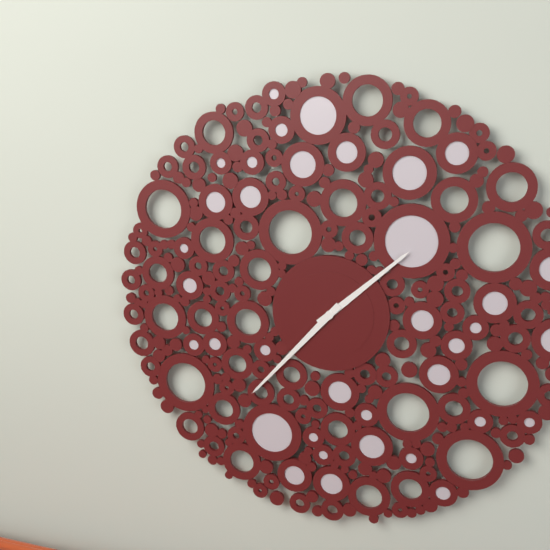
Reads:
h=1 m=37
